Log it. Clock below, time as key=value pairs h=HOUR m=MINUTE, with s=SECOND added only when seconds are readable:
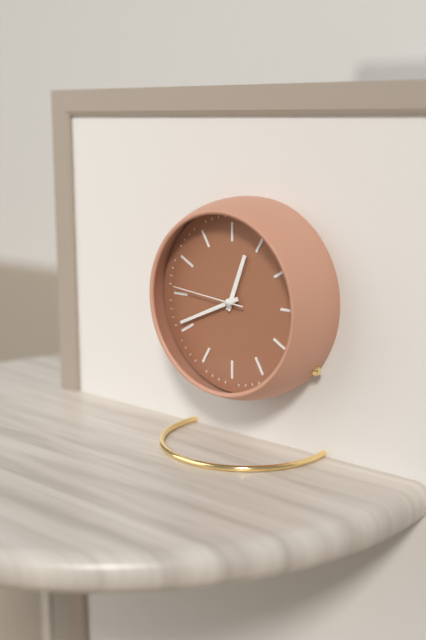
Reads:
h=12 m=41 s=46
